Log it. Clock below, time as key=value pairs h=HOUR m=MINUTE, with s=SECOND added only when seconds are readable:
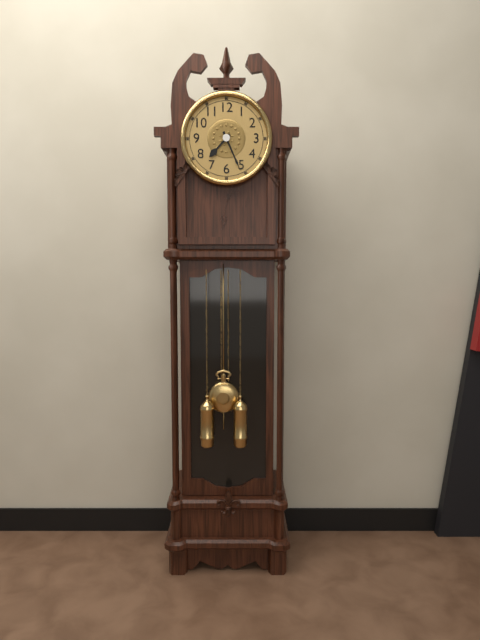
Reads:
h=7 m=26
